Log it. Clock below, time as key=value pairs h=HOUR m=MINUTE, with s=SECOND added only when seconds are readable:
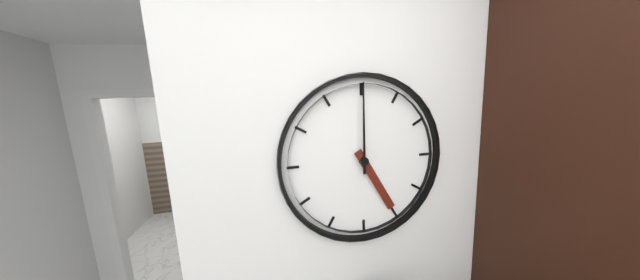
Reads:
h=5 m=0
